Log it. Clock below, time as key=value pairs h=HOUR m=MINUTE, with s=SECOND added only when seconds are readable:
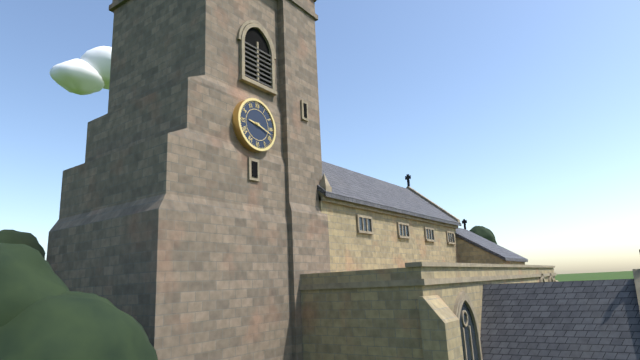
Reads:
h=9 m=18
